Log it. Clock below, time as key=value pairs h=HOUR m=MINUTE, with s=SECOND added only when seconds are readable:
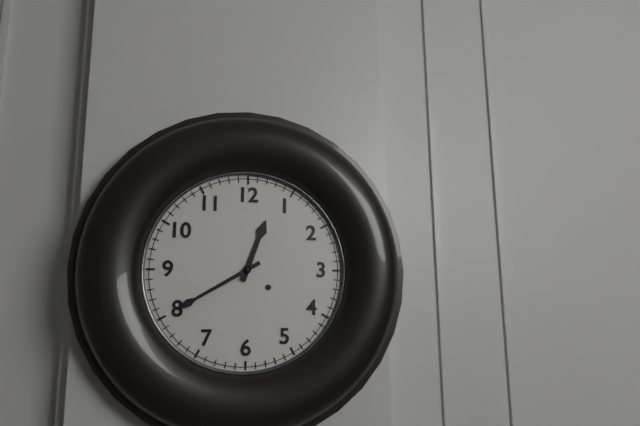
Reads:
h=12 m=40
